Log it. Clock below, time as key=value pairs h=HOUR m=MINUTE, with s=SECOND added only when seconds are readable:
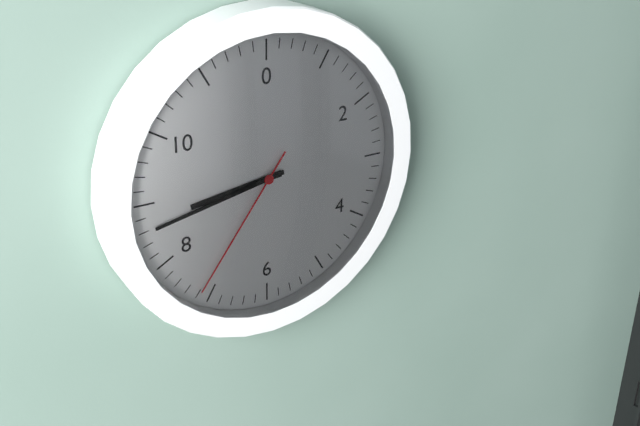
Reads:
h=8 m=43 s=36
